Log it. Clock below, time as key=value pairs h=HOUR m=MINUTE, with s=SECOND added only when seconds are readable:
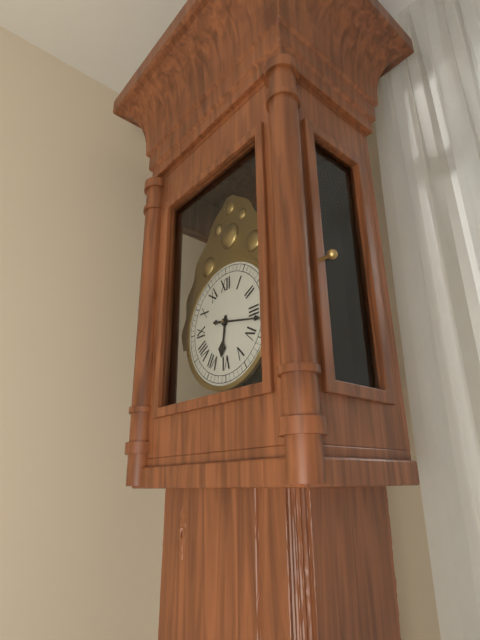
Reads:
h=6 m=17
